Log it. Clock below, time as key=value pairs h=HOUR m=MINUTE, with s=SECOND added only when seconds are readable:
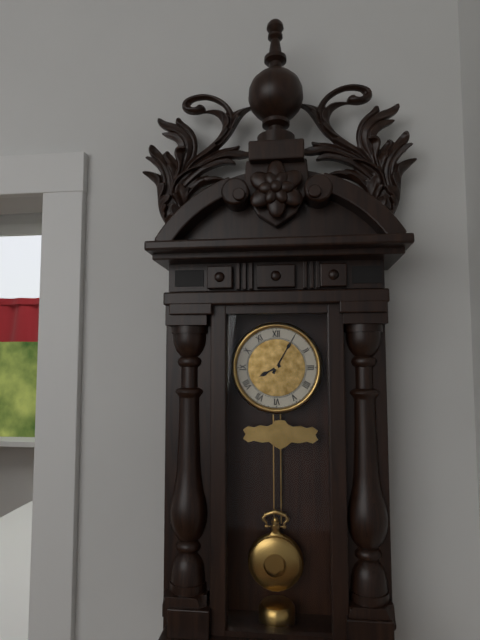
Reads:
h=8 m=5
